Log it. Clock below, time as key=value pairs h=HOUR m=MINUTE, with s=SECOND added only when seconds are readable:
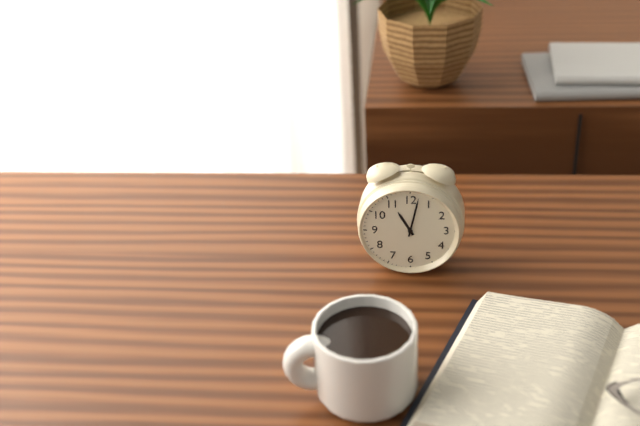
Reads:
h=11 m=2
